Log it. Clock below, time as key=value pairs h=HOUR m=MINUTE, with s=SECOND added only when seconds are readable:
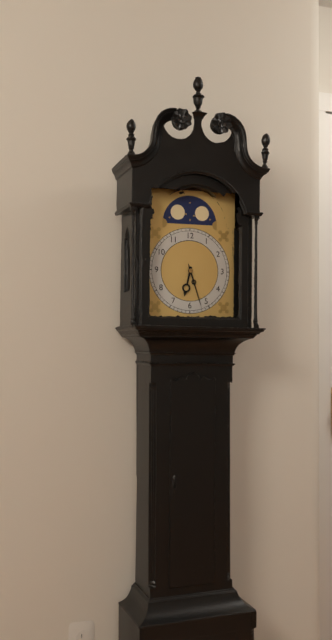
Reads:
h=6 m=27
